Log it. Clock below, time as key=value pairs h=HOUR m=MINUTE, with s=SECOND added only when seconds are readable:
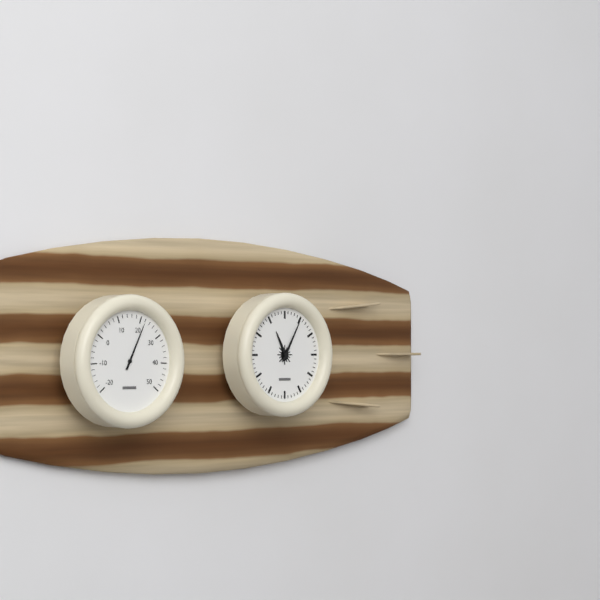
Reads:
h=11 m=5
